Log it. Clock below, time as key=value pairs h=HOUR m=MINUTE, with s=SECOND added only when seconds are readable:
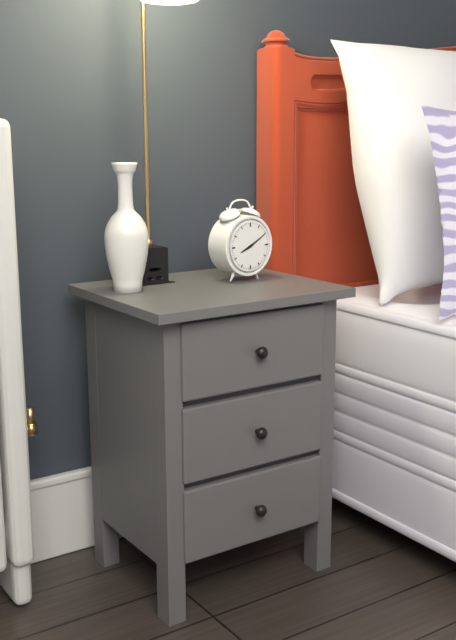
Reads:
h=8 m=10
